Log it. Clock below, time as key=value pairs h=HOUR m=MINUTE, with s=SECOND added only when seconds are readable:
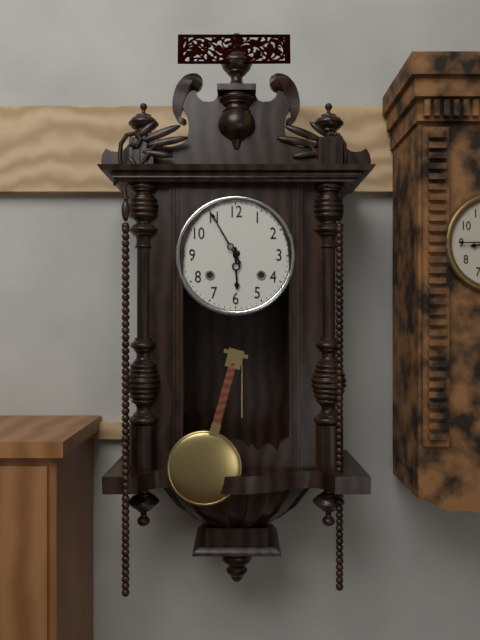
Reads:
h=5 m=55
